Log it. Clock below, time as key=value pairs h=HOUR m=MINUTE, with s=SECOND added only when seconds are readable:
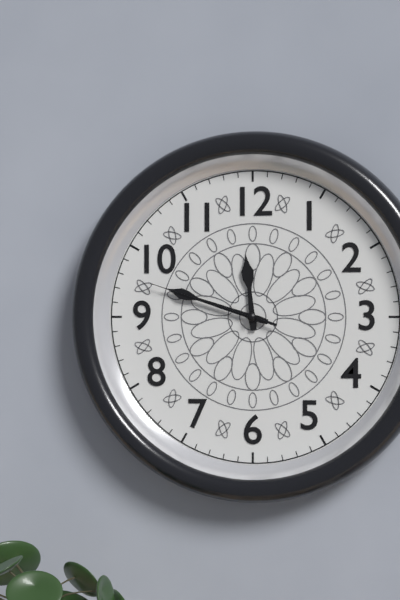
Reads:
h=11 m=48 s=48
